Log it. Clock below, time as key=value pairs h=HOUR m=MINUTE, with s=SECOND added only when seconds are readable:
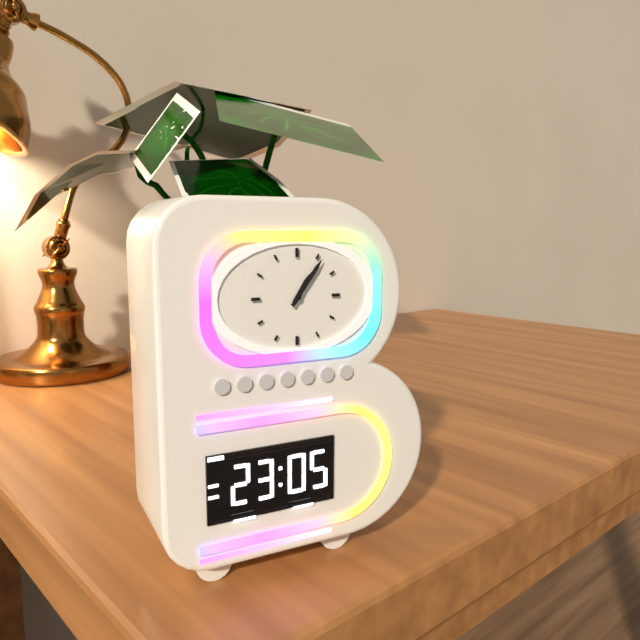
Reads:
h=1 m=6
